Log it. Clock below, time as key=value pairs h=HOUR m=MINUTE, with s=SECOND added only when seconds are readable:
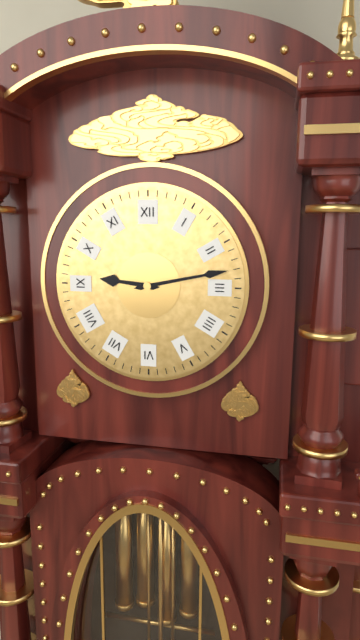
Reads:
h=9 m=13
